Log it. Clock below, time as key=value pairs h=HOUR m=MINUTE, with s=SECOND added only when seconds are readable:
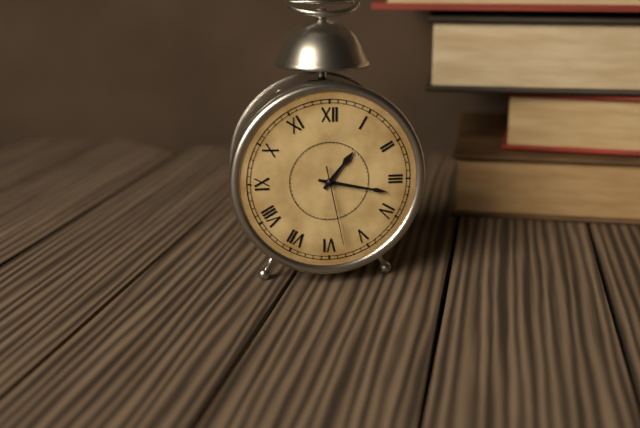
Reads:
h=1 m=17 s=28
